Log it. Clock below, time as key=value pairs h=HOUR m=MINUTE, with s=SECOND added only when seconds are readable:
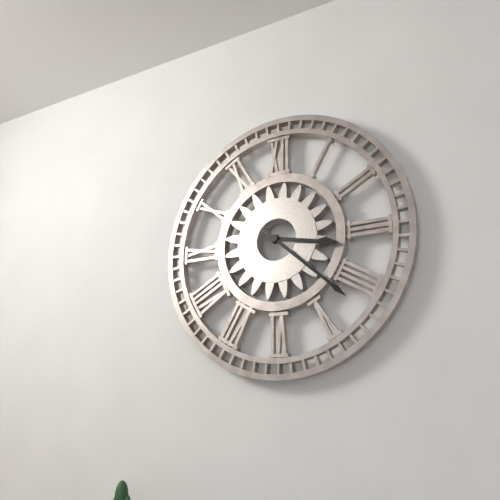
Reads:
h=3 m=22
